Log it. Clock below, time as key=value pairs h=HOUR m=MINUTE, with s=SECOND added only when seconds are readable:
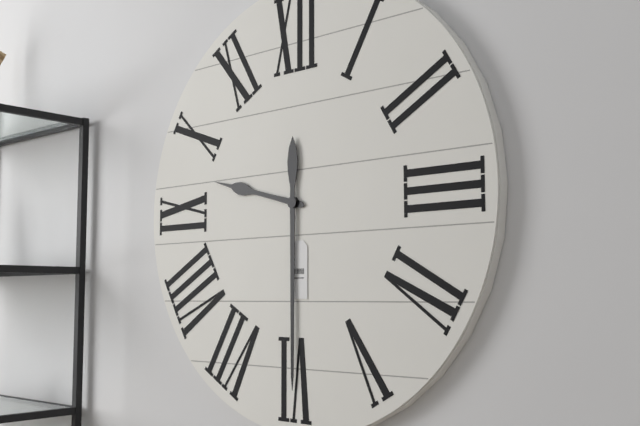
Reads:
h=9 m=30
